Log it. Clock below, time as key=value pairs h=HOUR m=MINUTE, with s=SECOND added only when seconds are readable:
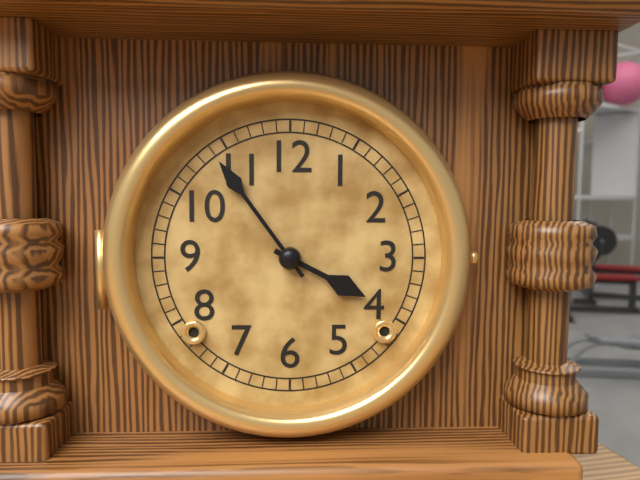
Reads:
h=3 m=54
